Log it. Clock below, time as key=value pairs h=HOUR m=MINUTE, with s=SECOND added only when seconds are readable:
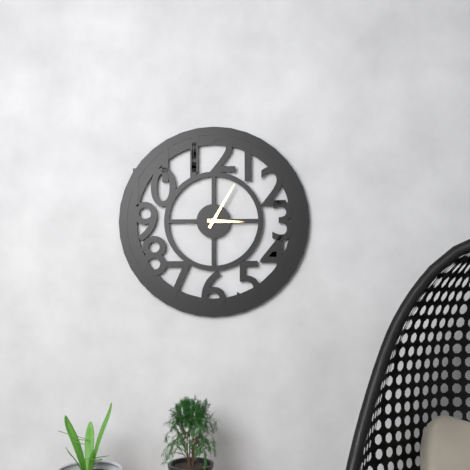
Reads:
h=3 m=5
